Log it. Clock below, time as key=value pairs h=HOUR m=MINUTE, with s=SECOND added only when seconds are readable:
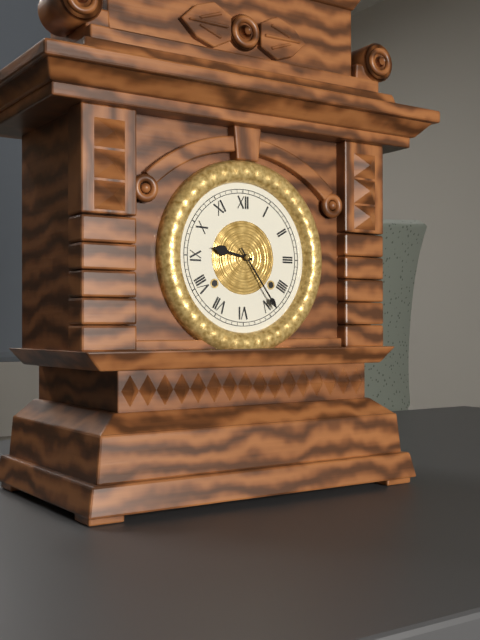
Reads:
h=9 m=24
